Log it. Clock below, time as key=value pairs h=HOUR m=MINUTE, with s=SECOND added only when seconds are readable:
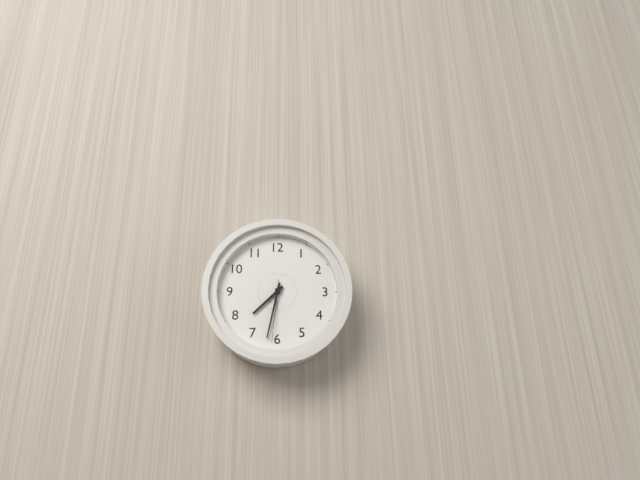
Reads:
h=7 m=32 s=31
